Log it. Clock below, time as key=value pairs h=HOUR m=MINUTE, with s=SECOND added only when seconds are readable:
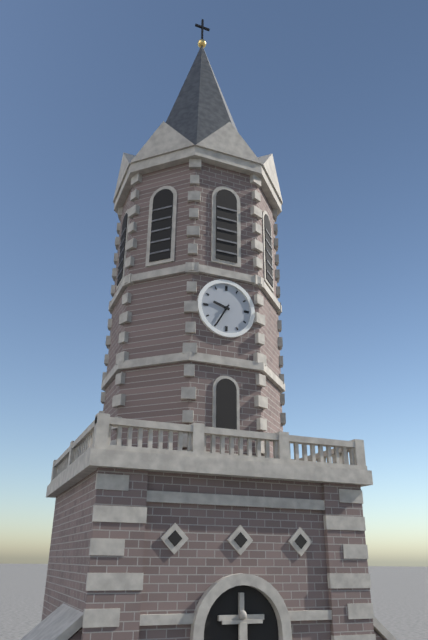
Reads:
h=9 m=35
